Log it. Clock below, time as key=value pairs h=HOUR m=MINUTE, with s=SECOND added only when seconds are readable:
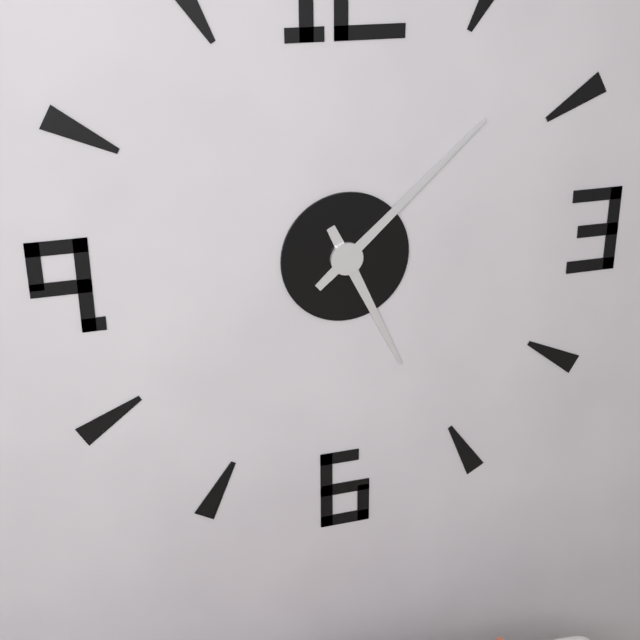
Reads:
h=5 m=8
